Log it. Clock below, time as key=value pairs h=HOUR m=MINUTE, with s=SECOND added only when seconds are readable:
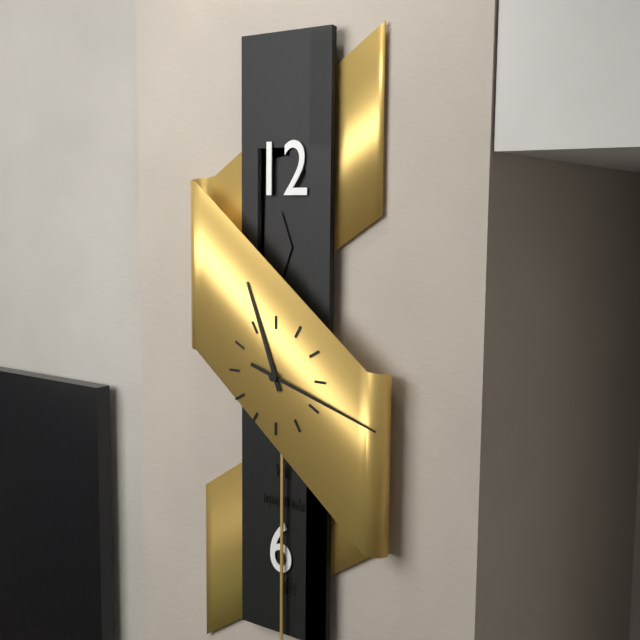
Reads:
h=11 m=18
